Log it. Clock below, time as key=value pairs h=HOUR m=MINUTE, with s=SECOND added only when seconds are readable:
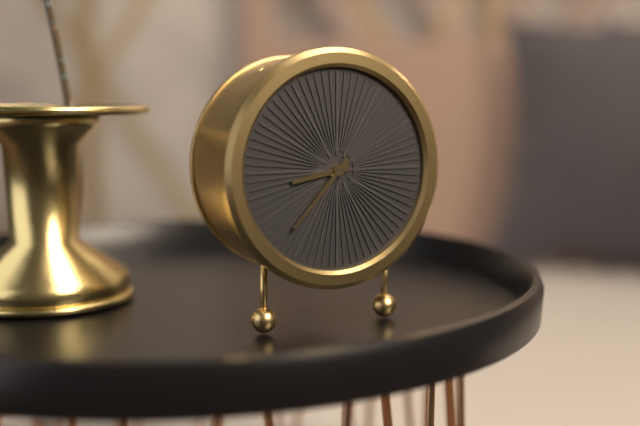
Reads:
h=8 m=37
